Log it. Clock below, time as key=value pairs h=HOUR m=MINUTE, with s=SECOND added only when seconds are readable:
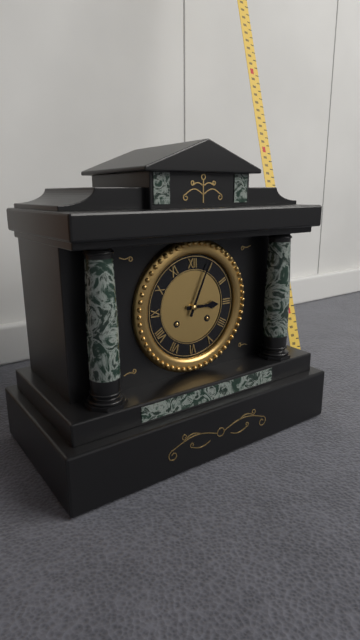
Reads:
h=3 m=4
